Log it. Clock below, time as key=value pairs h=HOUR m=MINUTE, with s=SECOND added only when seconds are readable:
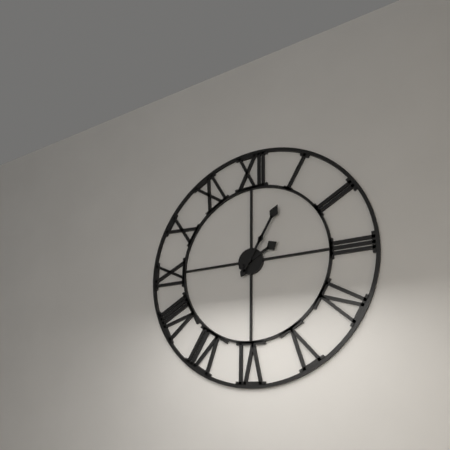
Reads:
h=2 m=5
